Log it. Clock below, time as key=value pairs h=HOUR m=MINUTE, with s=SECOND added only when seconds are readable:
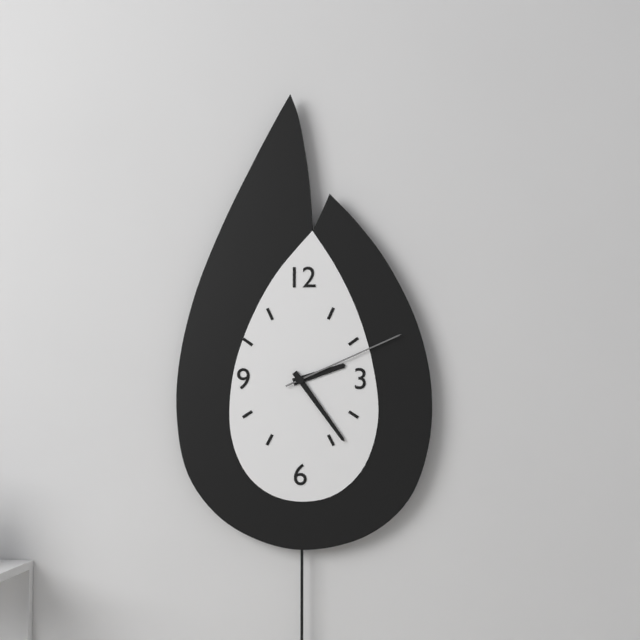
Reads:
h=2 m=24 s=11
